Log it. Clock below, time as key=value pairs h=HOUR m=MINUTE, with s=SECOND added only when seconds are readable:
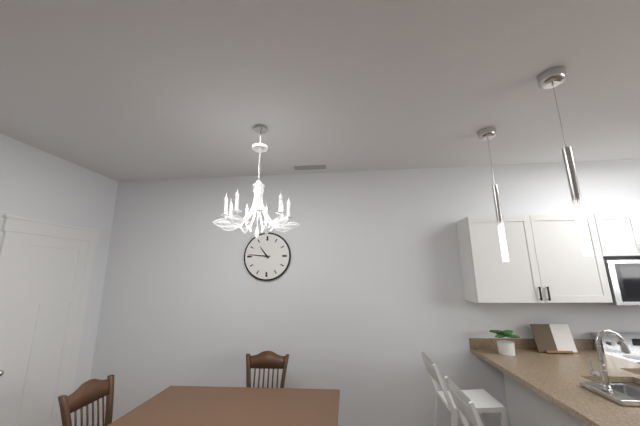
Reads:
h=10 m=46
